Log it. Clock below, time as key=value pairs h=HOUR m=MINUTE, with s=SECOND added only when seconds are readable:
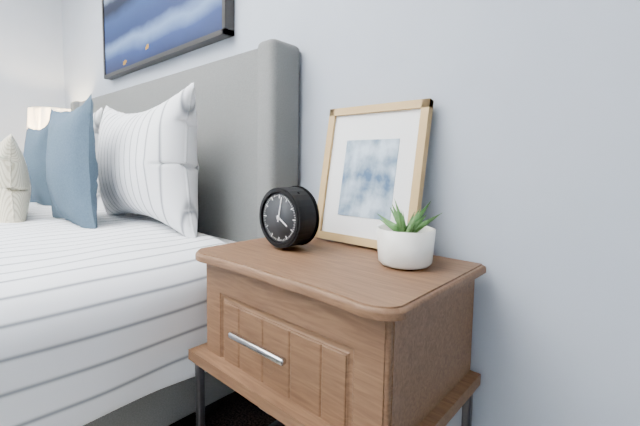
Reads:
h=4 m=2
